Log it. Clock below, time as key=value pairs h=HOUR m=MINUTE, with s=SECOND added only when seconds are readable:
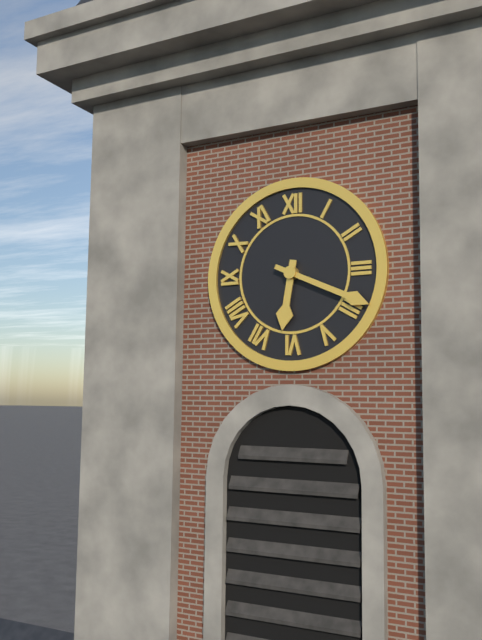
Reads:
h=6 m=19
